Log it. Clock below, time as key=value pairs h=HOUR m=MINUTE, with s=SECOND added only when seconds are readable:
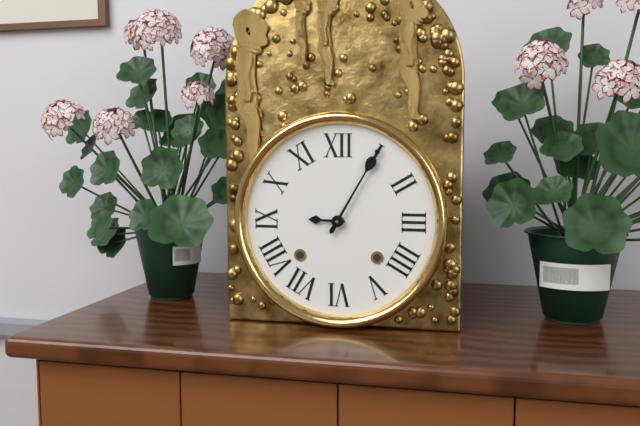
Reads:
h=9 m=5
